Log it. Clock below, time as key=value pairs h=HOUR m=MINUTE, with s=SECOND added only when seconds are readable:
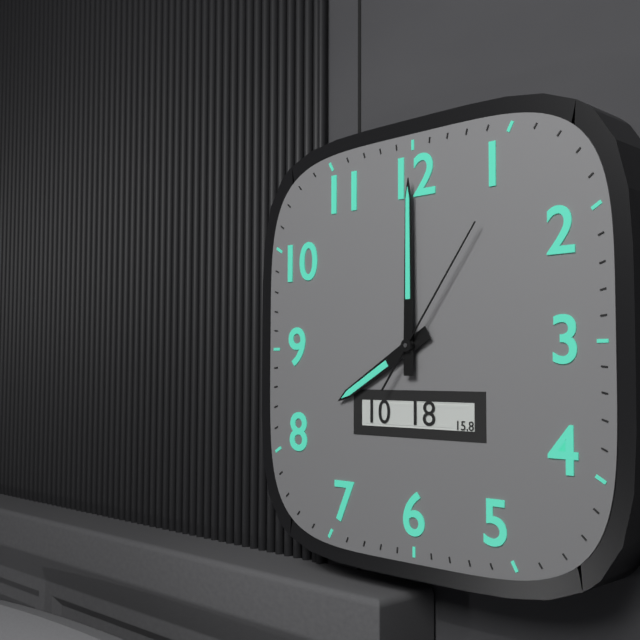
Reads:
h=8 m=0 s=6
